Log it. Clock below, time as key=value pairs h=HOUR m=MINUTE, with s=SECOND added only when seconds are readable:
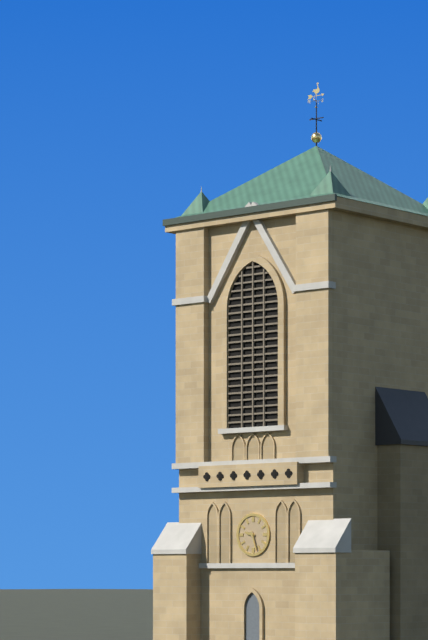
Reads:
h=9 m=27
